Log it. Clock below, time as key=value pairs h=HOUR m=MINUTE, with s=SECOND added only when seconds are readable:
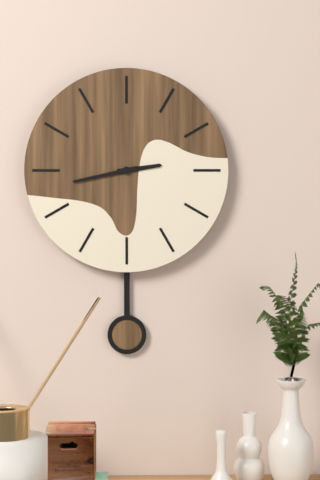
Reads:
h=2 m=43
